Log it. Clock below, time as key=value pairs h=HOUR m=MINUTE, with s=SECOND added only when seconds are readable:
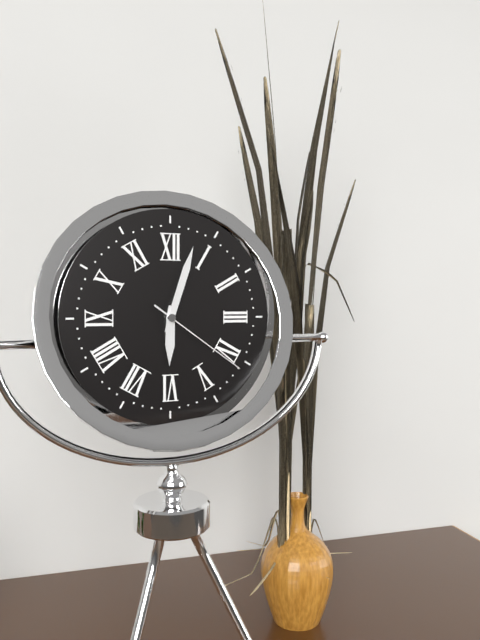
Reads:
h=6 m=3 s=21
